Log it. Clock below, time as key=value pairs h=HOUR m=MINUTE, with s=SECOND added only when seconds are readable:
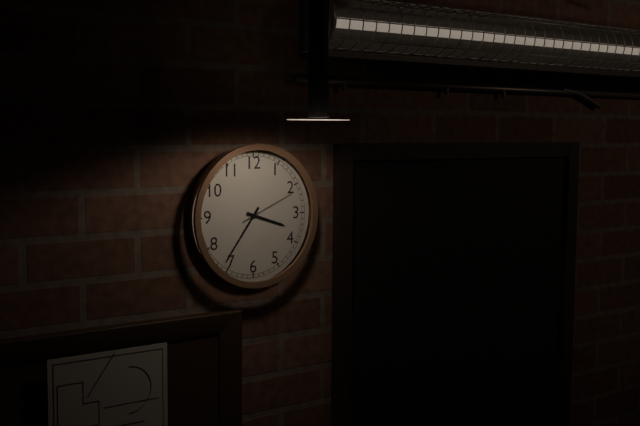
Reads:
h=3 m=36 s=11
